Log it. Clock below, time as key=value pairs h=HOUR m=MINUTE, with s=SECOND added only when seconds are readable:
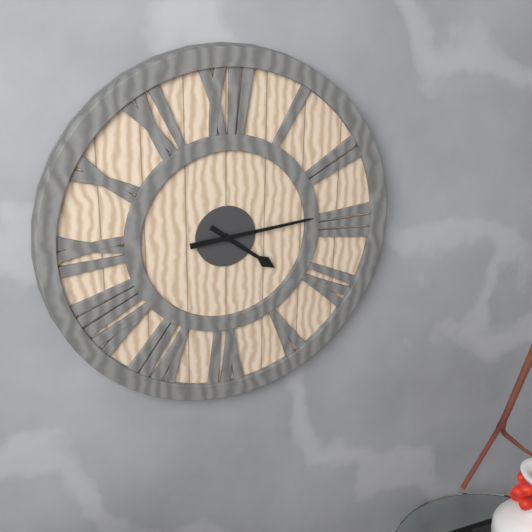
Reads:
h=4 m=14
